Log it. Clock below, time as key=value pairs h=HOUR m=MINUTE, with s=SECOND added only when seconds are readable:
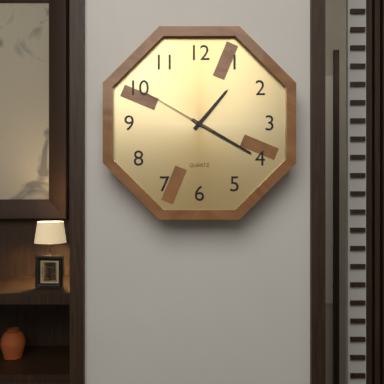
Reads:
h=1 m=20 s=50
